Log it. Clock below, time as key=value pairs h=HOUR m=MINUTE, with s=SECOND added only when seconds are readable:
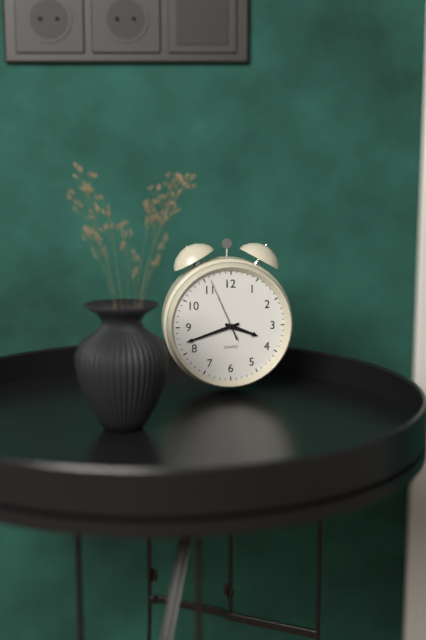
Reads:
h=3 m=42 s=56
